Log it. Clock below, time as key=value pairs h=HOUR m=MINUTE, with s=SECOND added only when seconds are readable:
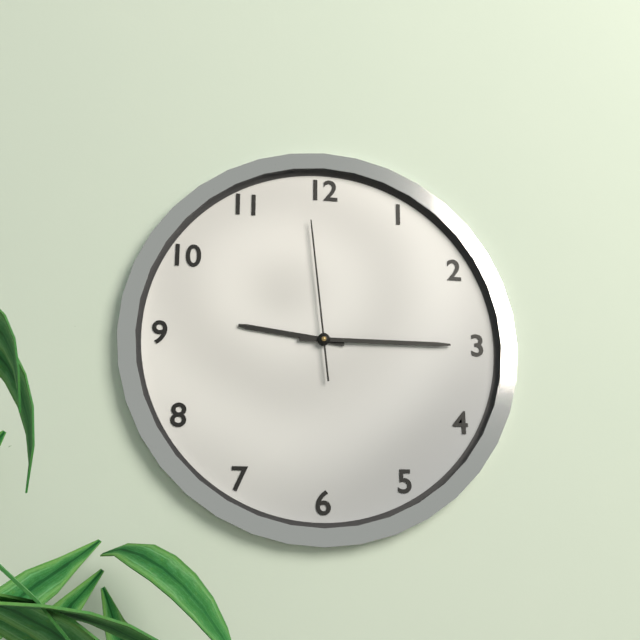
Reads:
h=9 m=15 s=59
